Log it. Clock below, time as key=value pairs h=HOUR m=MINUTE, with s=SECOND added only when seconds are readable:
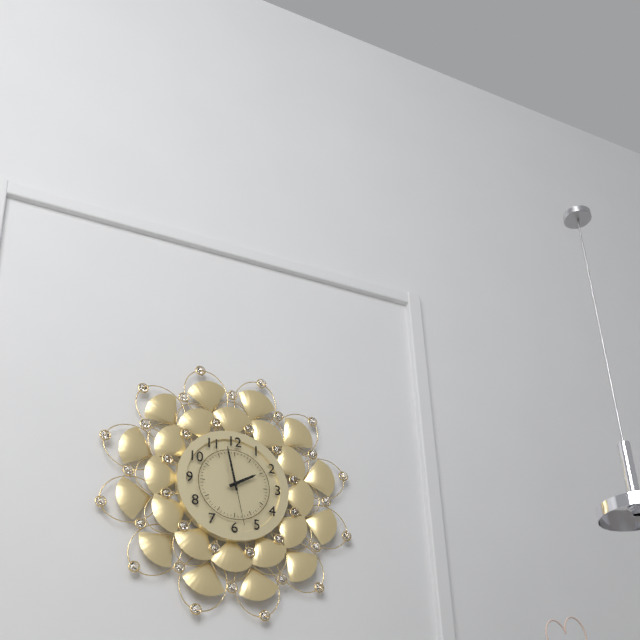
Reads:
h=1 m=58 s=28
